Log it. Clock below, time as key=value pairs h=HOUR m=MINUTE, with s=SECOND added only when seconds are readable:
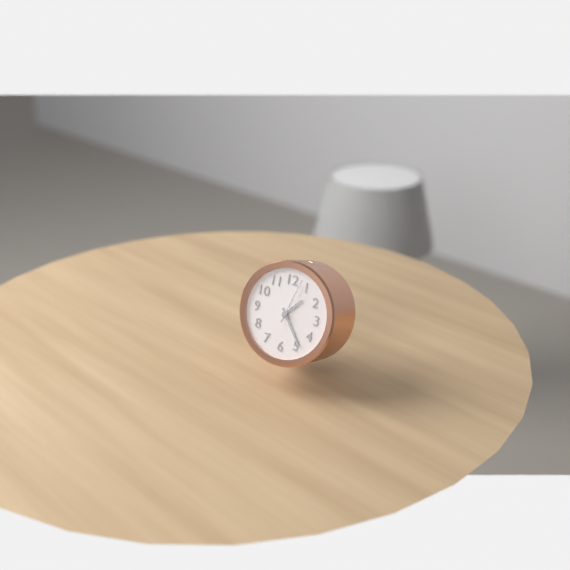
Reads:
h=1 m=24
